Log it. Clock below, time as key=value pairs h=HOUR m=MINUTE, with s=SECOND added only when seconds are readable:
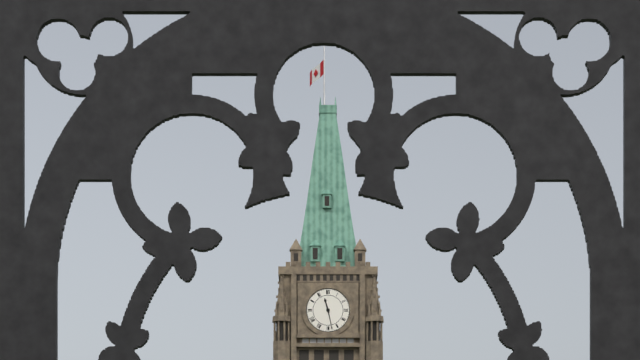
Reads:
h=11 m=28
